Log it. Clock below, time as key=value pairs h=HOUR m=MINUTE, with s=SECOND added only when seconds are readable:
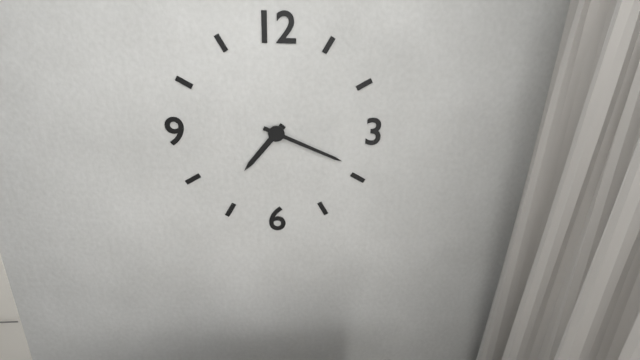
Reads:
h=7 m=19
